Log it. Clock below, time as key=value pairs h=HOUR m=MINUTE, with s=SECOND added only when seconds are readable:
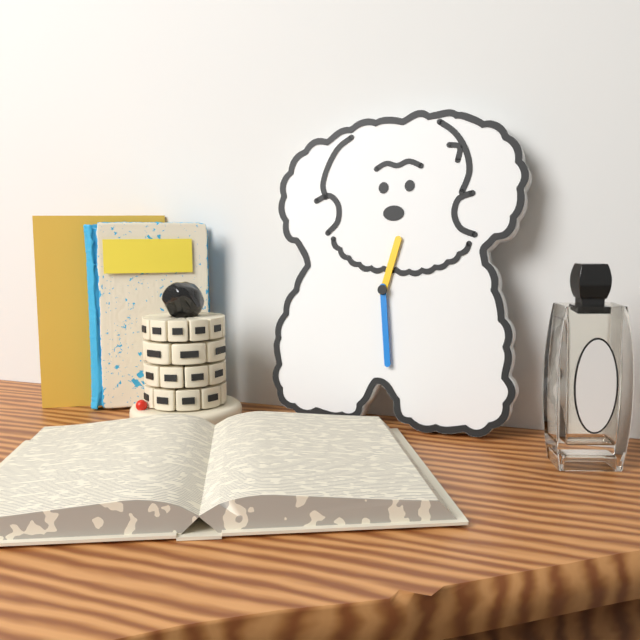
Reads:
h=12 m=29
